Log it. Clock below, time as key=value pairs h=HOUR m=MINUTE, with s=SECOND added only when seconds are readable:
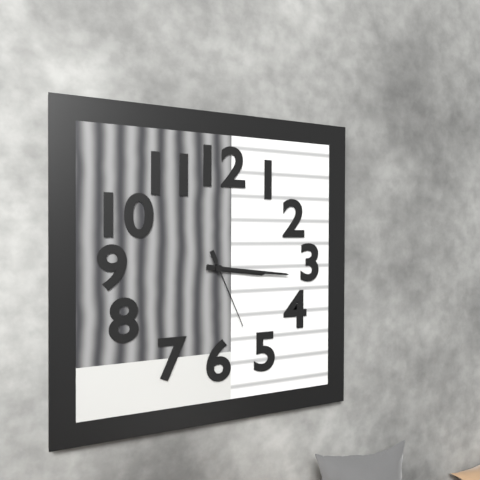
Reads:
h=3 m=16 s=26
